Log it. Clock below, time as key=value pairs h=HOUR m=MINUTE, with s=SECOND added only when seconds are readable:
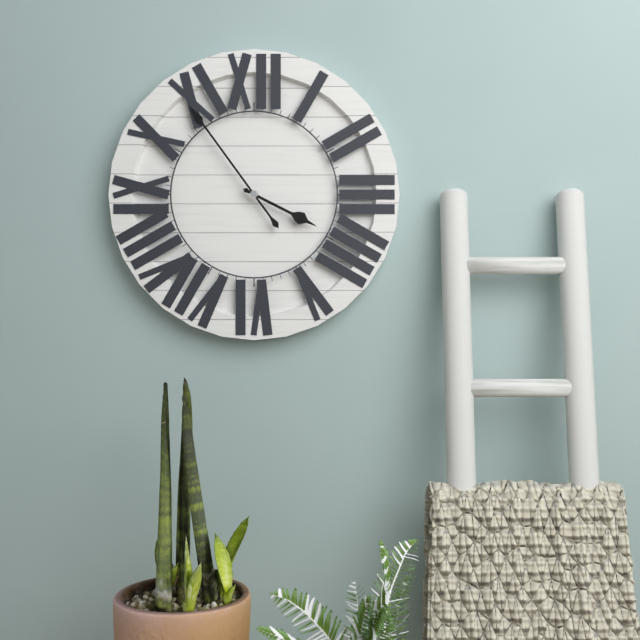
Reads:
h=3 m=54
